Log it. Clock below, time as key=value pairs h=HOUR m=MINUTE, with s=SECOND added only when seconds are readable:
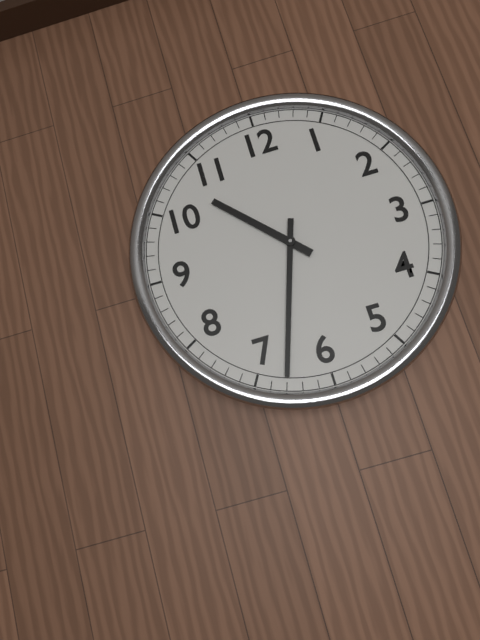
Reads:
h=10 m=33
